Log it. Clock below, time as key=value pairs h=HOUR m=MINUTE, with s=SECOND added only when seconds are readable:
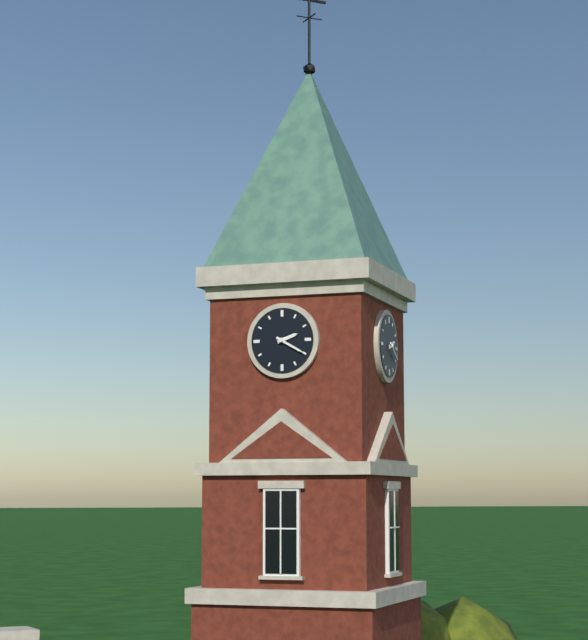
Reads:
h=2 m=20
